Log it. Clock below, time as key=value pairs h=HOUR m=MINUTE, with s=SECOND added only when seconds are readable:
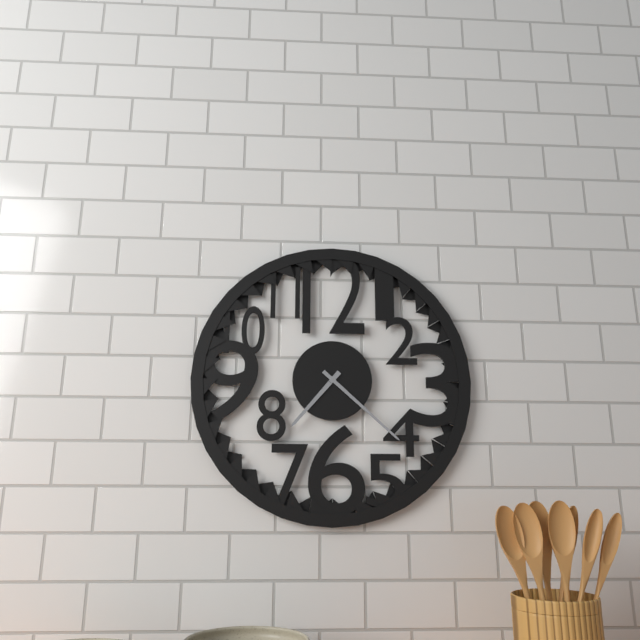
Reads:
h=7 m=22
